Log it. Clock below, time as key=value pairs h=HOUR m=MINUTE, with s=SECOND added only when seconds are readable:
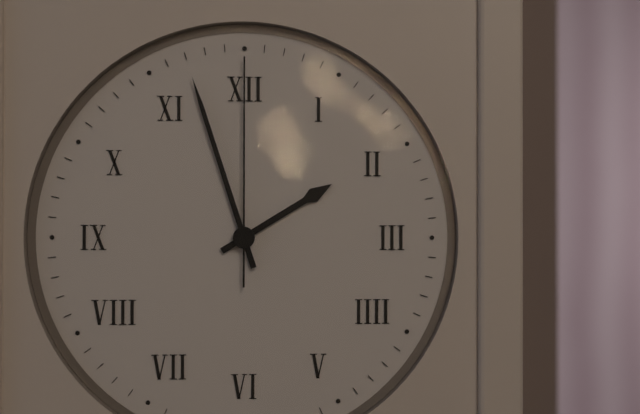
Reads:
h=1 m=57 s=0
